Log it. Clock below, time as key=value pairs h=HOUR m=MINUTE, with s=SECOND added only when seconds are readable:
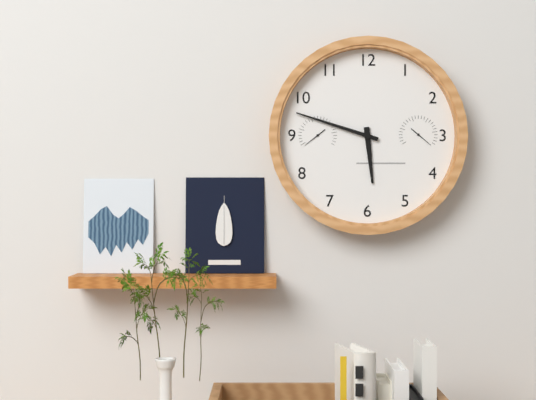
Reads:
h=5 m=48
